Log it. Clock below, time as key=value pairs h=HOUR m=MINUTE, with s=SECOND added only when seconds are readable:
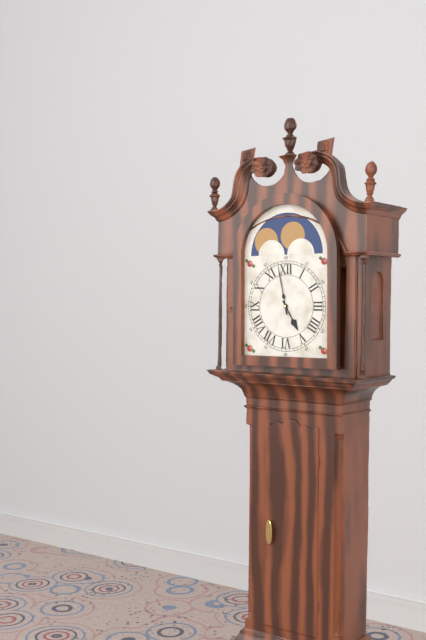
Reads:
h=4 m=58
